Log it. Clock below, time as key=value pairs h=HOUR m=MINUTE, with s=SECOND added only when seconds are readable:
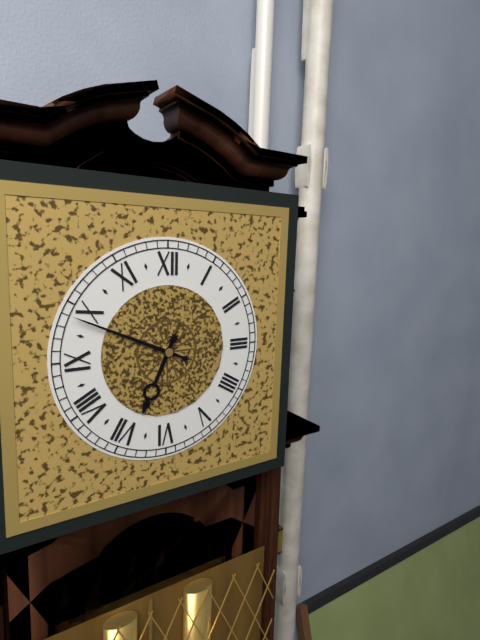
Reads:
h=6 m=49
